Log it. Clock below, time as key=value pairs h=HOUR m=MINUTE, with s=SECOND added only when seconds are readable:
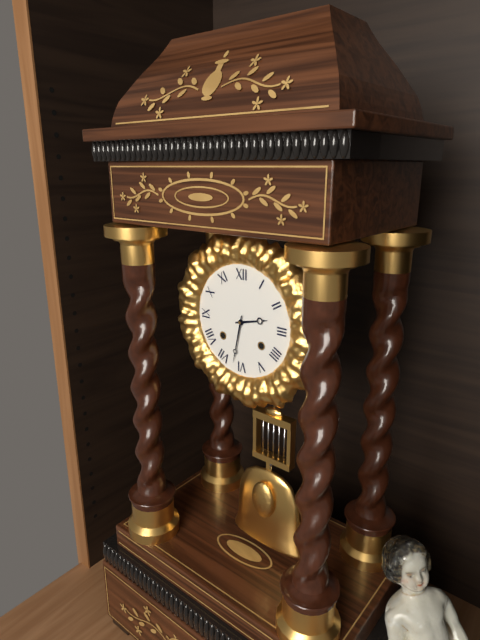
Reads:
h=2 m=32
